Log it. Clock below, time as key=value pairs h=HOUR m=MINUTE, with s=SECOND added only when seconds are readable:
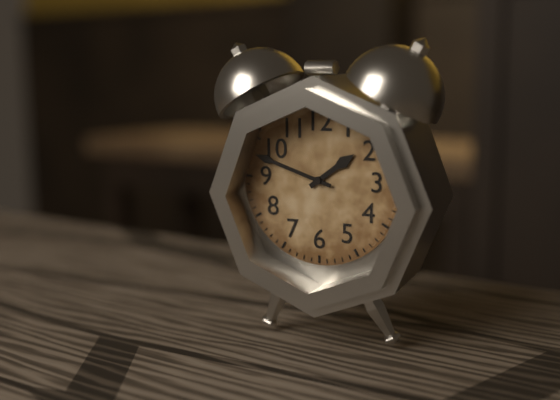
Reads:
h=1 m=48
